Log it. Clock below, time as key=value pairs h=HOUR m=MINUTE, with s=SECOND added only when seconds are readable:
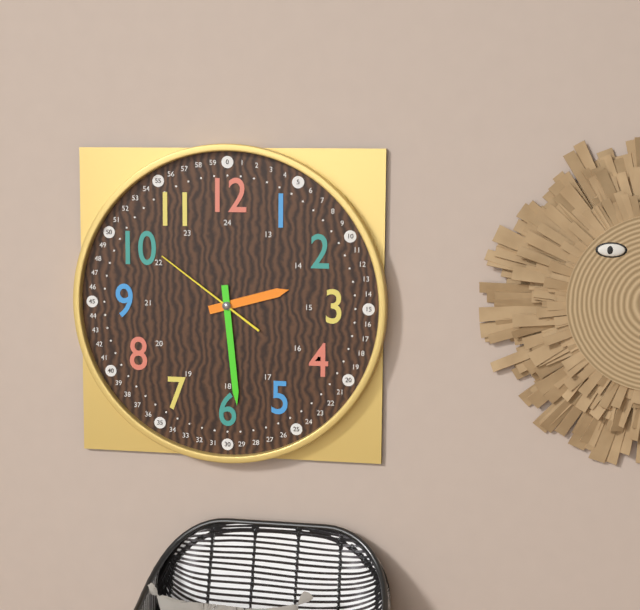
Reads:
h=2 m=29 s=51
